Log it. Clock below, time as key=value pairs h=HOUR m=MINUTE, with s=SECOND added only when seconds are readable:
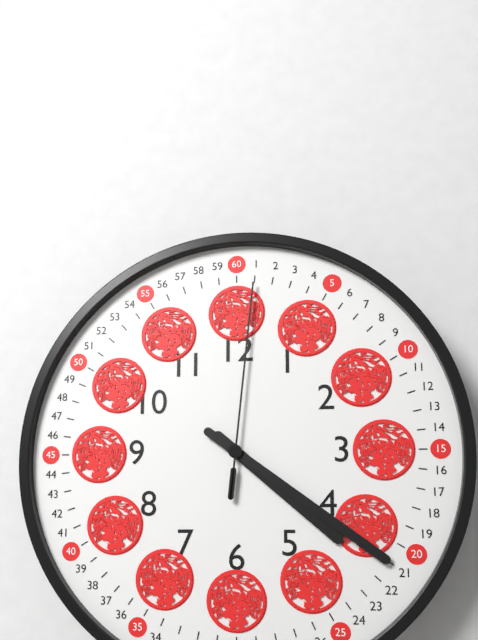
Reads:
h=4 m=21 s=1
